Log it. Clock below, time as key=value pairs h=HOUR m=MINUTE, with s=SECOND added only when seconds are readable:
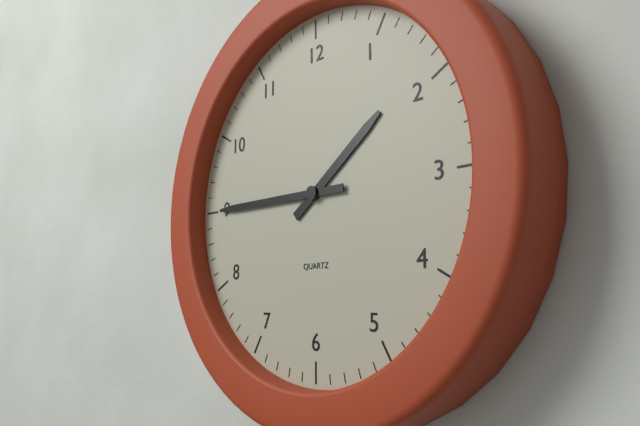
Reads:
h=1 m=45
